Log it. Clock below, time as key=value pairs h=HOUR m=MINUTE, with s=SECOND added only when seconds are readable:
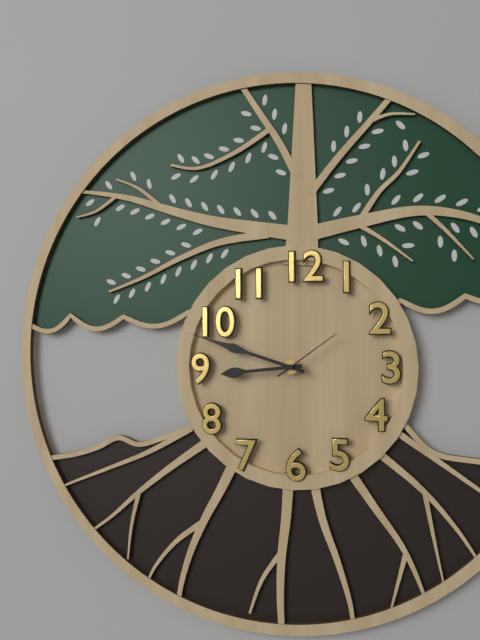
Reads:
h=8 m=48 s=9
